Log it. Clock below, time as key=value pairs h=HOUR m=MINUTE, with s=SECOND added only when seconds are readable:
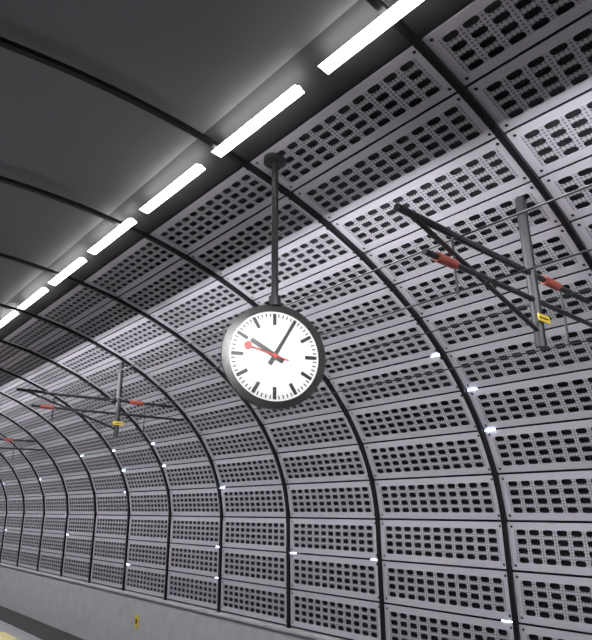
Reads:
h=10 m=5
